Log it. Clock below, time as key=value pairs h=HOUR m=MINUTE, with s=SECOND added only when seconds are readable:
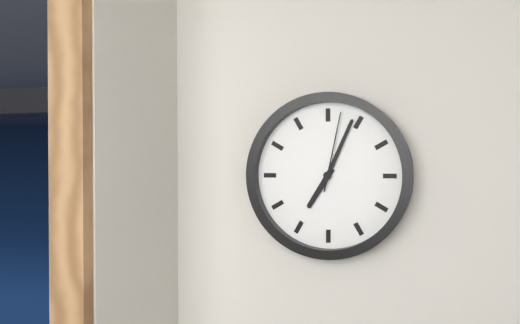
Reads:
h=7 m=4 s=2
